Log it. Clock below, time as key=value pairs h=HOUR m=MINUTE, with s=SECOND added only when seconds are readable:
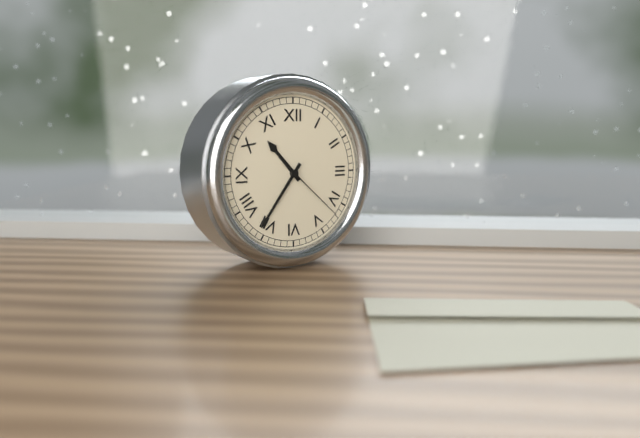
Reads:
h=10 m=36 s=22
